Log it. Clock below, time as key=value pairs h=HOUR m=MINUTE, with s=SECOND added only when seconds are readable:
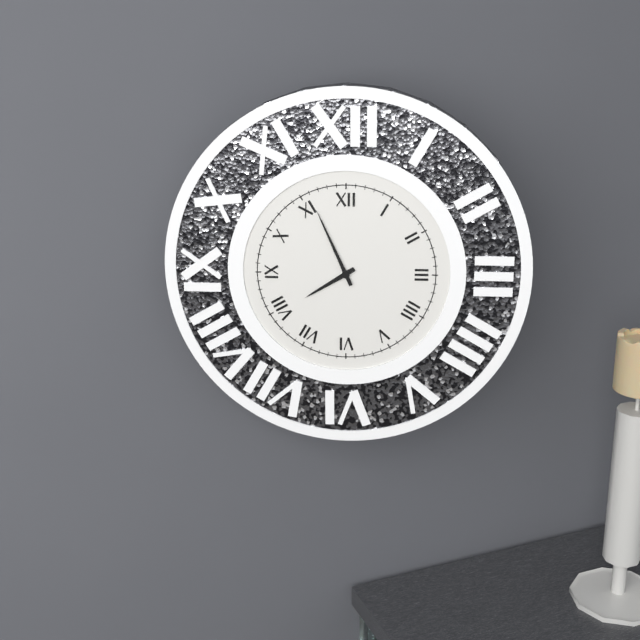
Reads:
h=7 m=56
